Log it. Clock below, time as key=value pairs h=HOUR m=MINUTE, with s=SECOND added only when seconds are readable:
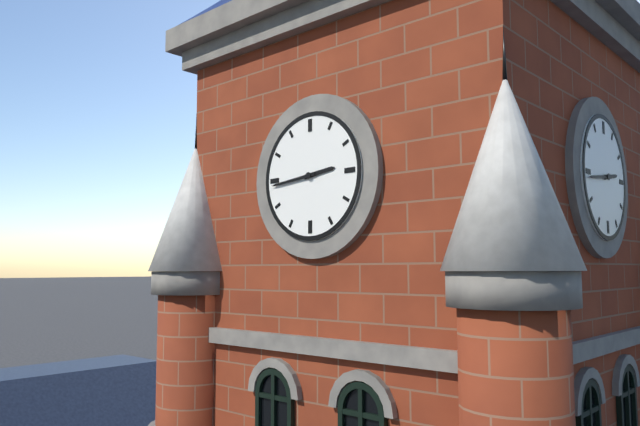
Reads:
h=2 m=44
